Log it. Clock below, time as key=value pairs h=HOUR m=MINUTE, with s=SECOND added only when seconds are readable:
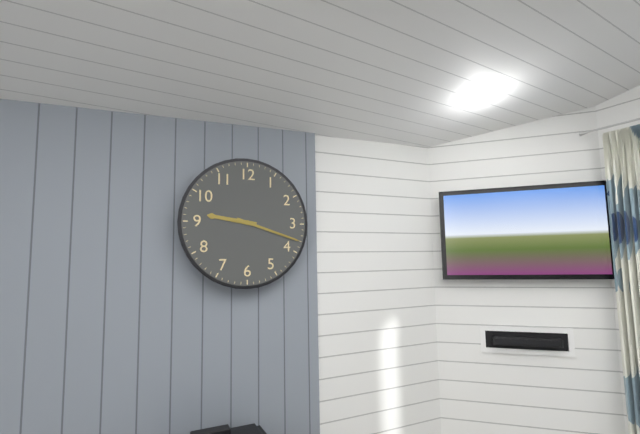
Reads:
h=9 m=18
